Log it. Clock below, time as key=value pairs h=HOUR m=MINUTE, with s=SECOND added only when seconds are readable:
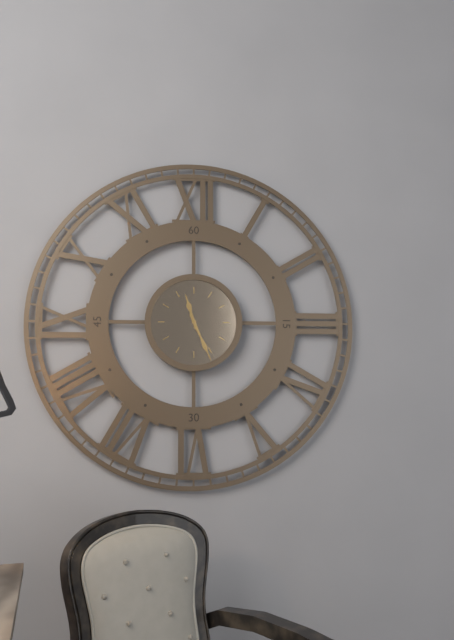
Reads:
h=11 m=26
